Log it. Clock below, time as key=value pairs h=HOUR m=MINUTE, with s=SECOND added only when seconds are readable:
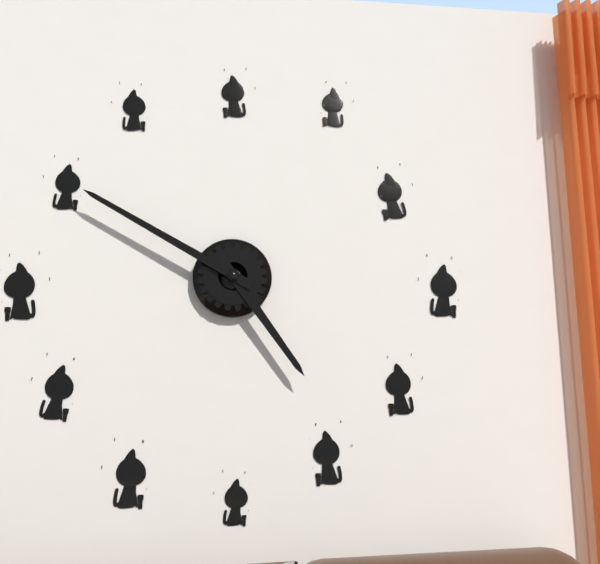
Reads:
h=4 m=50
